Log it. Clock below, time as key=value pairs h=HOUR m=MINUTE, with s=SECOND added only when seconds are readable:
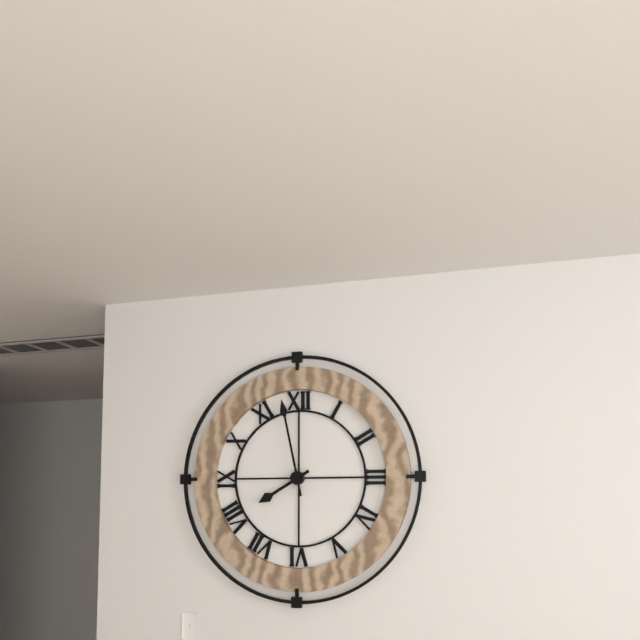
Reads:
h=7 m=58
